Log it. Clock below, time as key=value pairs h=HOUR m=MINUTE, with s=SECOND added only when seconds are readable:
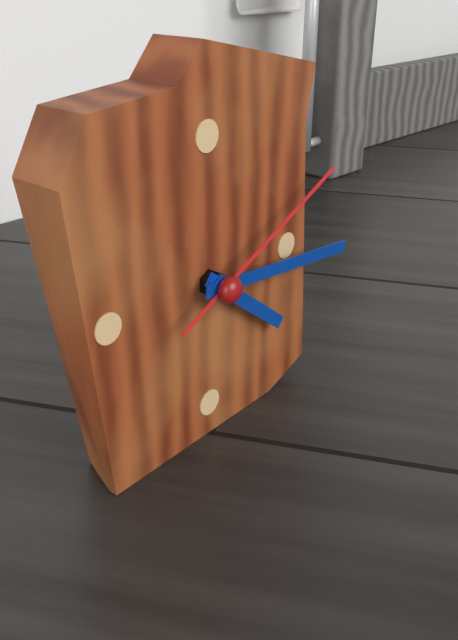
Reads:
h=4 m=16 s=11
